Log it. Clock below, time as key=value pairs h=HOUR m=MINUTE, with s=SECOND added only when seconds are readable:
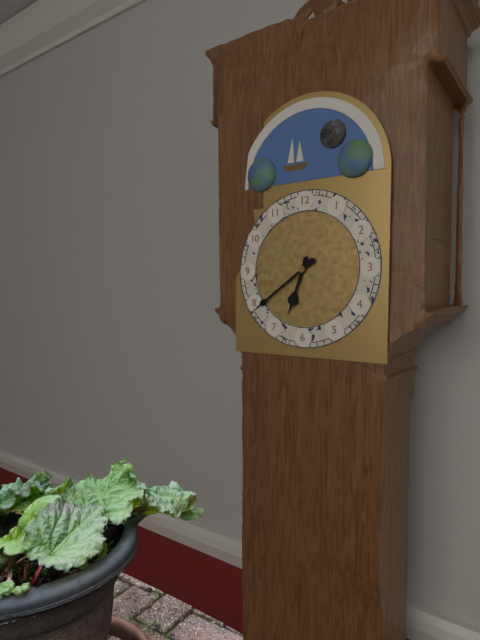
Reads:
h=6 m=39
